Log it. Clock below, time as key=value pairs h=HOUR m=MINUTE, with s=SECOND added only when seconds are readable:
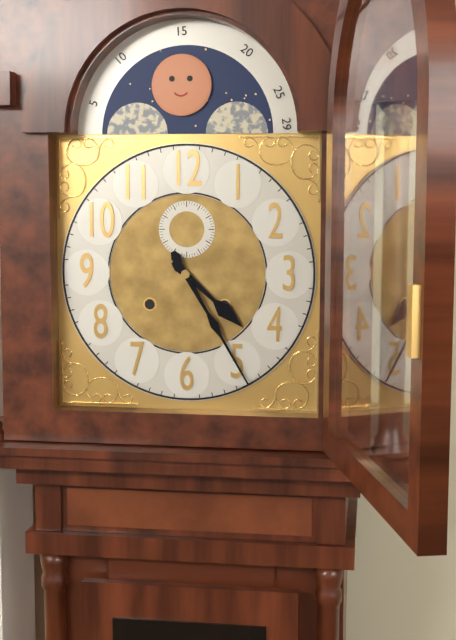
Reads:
h=4 m=25
